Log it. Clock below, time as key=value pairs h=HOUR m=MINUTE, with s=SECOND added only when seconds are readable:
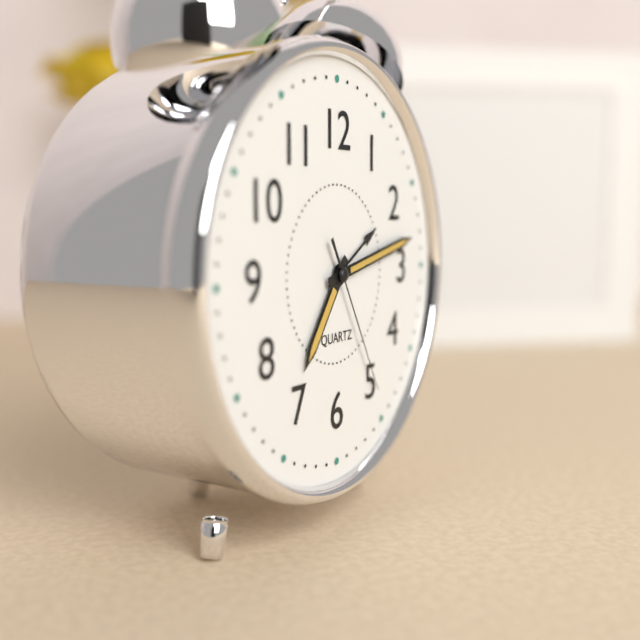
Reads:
h=7 m=13 s=25
